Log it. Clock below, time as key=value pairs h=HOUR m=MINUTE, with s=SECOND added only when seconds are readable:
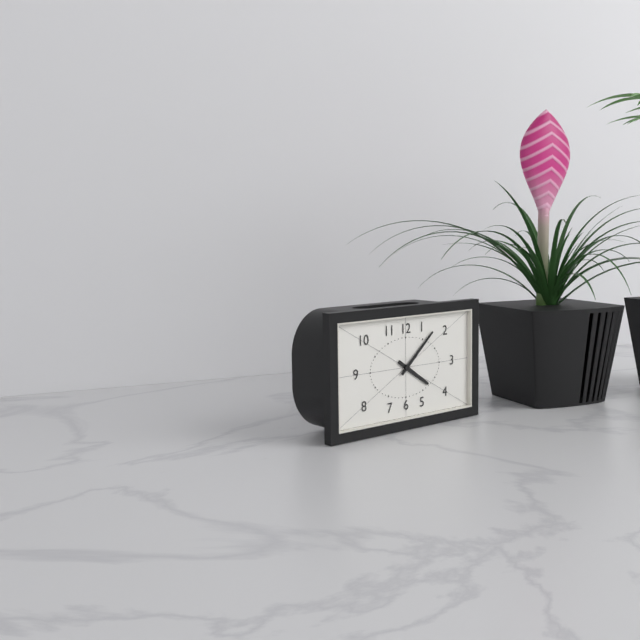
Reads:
h=4 m=8
